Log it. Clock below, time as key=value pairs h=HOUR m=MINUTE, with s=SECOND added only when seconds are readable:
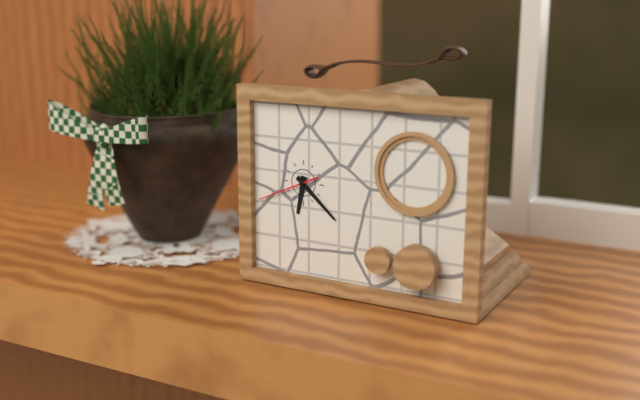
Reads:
h=6 m=22 s=41
